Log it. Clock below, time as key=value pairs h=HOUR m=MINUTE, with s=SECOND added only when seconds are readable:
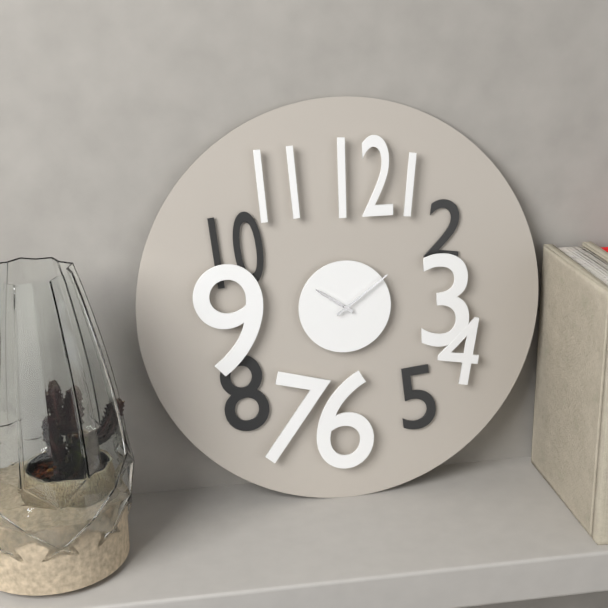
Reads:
h=10 m=9
